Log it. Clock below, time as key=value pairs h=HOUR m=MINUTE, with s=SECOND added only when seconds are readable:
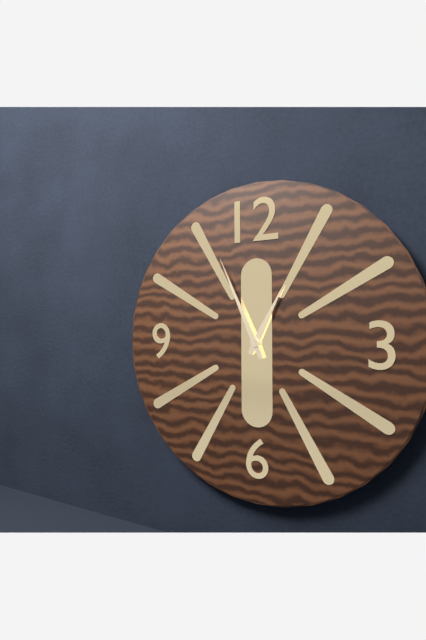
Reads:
h=12 m=56
